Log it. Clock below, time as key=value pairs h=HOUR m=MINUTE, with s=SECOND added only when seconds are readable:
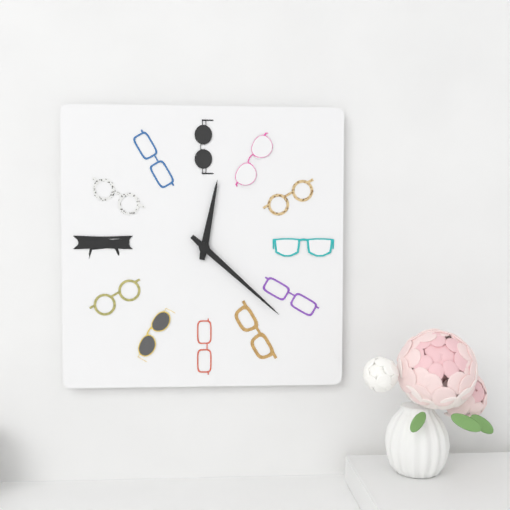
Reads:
h=12 m=22
